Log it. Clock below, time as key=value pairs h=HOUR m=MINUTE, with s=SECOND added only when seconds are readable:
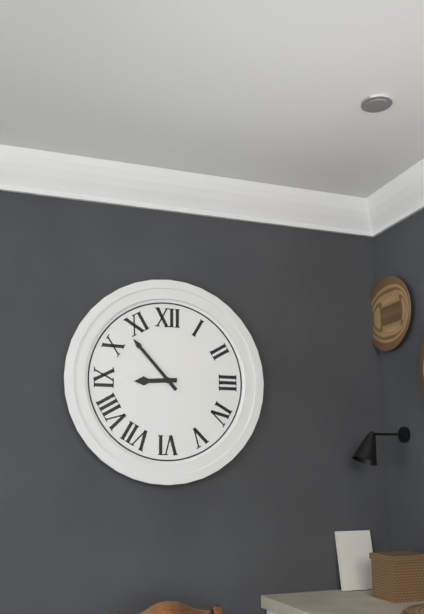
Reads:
h=8 m=53
